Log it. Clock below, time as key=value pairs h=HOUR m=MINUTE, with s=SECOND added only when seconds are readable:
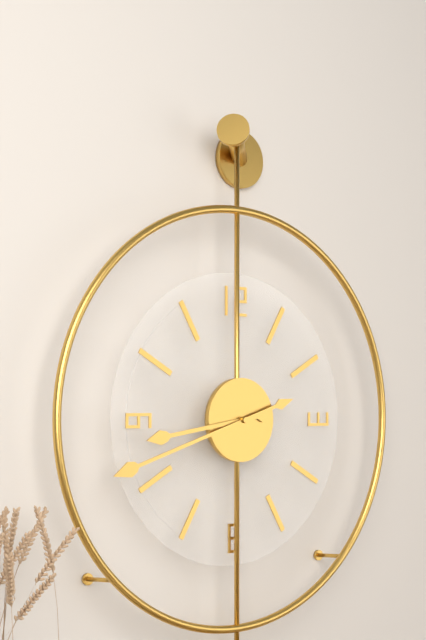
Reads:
h=8 m=42
